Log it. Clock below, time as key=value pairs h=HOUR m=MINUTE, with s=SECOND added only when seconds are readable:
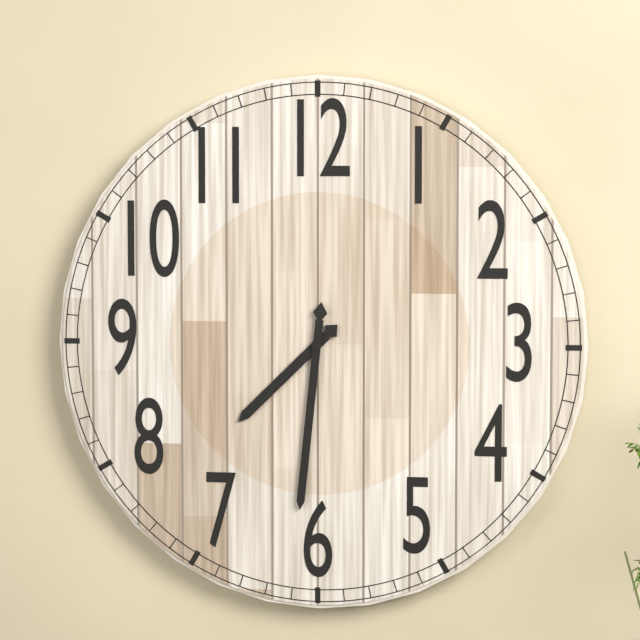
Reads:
h=7 m=31
